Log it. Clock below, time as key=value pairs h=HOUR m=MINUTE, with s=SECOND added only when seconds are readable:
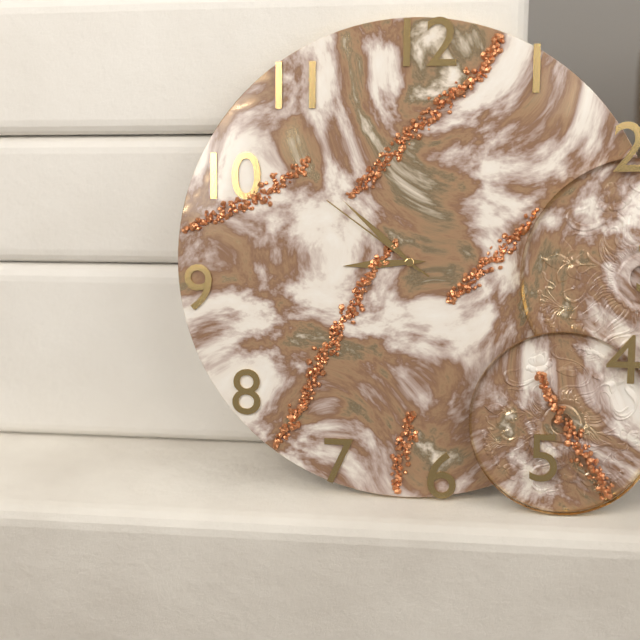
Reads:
h=8 m=52 s=51
